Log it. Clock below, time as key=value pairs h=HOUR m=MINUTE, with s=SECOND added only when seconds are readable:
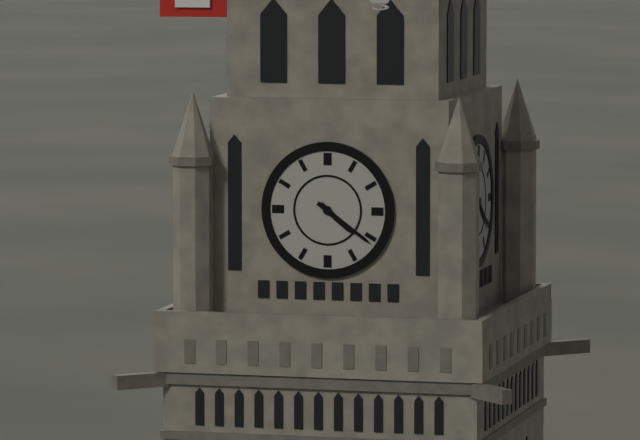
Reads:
h=4 m=21
